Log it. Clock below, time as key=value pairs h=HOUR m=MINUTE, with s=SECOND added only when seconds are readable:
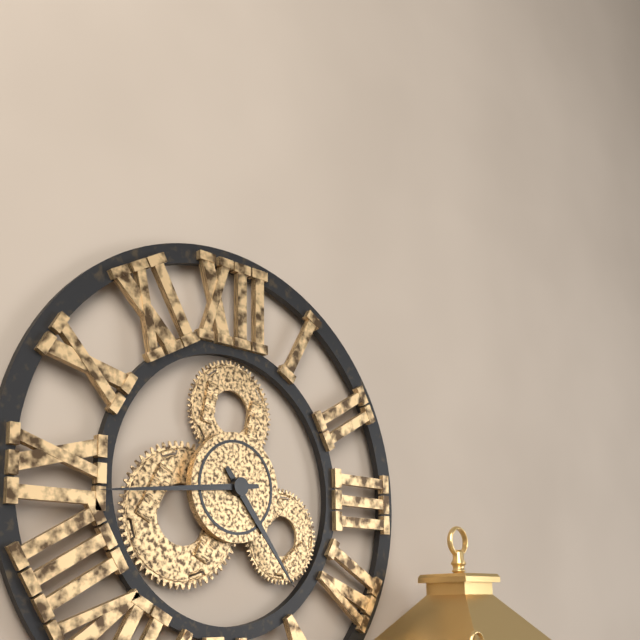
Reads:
h=4 m=44
